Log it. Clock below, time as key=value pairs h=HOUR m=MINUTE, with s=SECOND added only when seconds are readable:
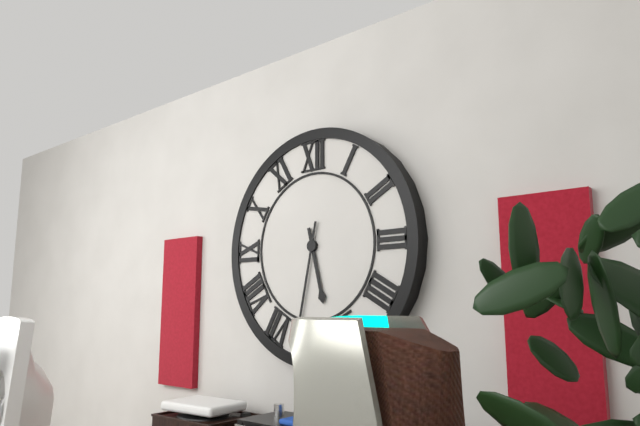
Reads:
h=5 m=32
